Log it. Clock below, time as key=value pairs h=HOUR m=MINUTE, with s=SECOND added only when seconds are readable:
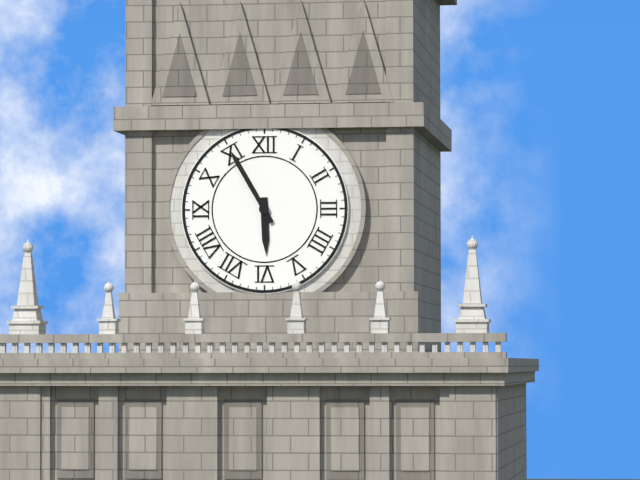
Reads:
h=5 m=55
